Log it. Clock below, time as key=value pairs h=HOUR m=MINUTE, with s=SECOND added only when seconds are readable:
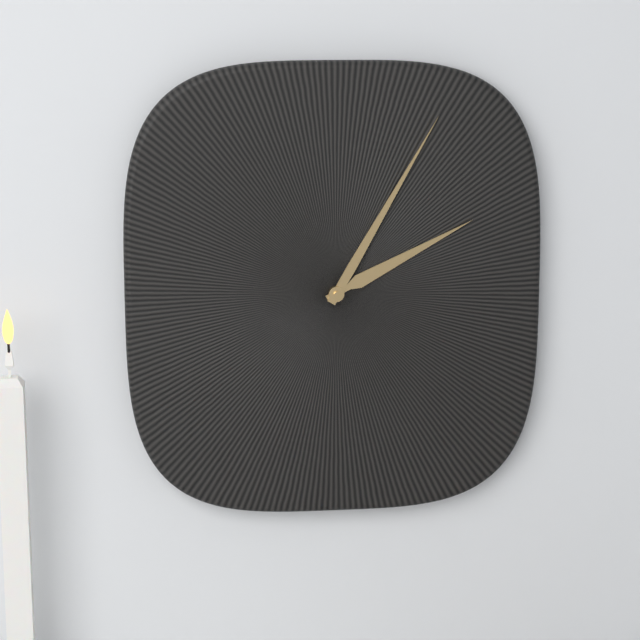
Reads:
h=2 m=5
